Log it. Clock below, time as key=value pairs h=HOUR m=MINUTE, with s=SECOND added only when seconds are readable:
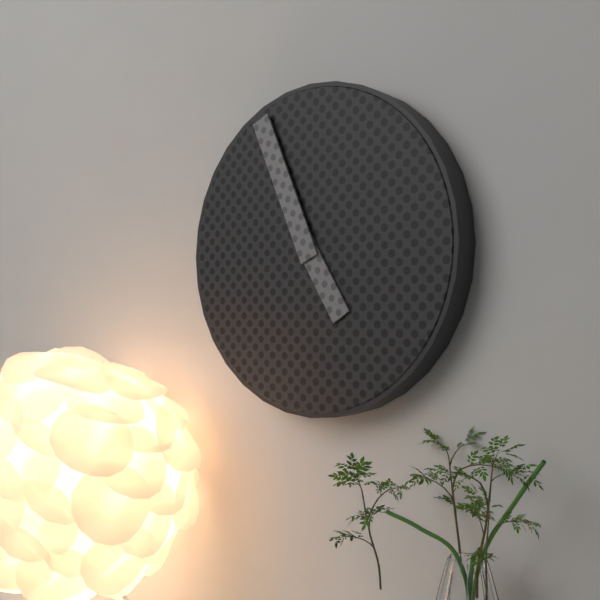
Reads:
h=4 m=56
